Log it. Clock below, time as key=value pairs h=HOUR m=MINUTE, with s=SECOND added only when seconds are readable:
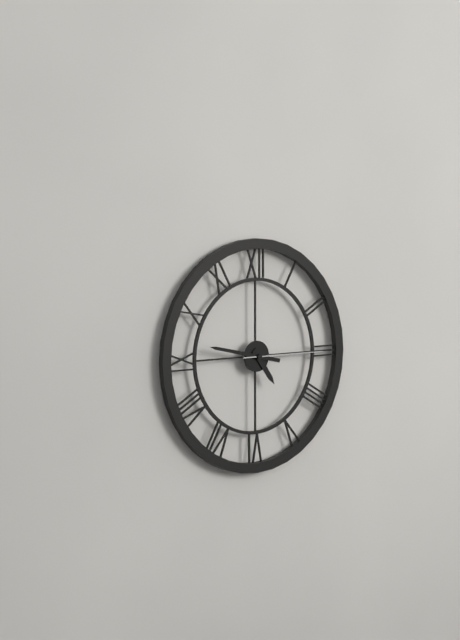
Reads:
h=4 m=47 s=15
